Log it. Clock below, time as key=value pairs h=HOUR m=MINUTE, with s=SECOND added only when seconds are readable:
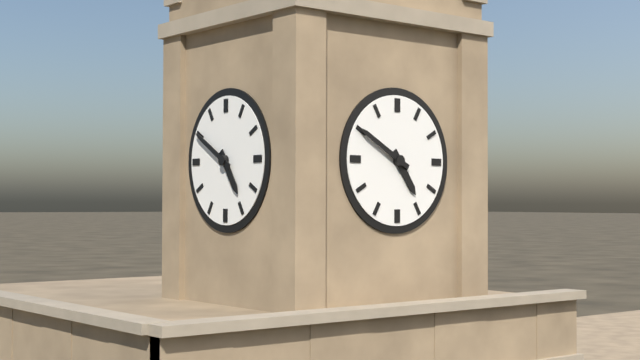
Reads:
h=4 m=50
